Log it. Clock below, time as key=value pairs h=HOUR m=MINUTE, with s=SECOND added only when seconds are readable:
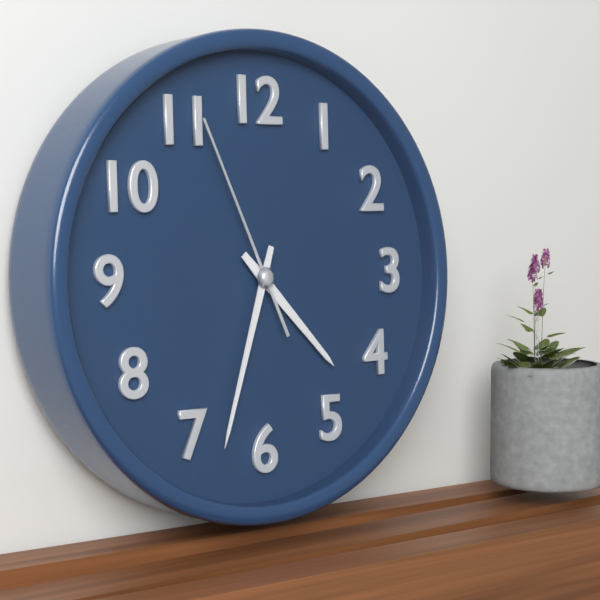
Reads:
h=4 m=33 s=56
